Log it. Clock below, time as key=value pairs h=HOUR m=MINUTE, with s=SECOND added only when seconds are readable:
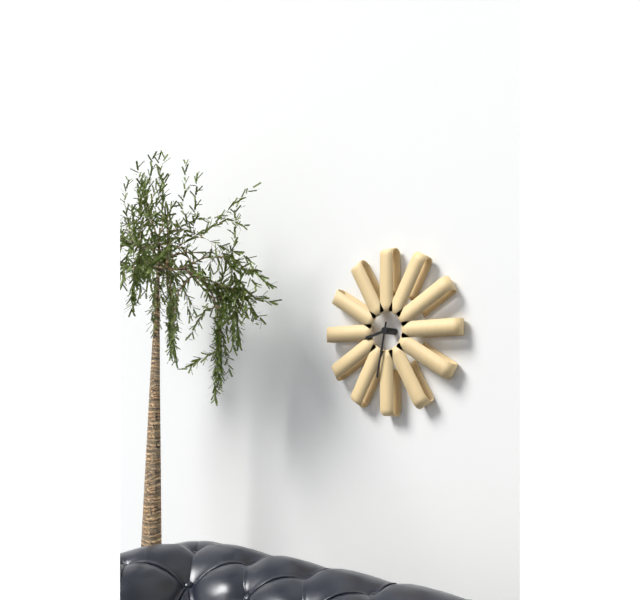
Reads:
h=8 m=32
